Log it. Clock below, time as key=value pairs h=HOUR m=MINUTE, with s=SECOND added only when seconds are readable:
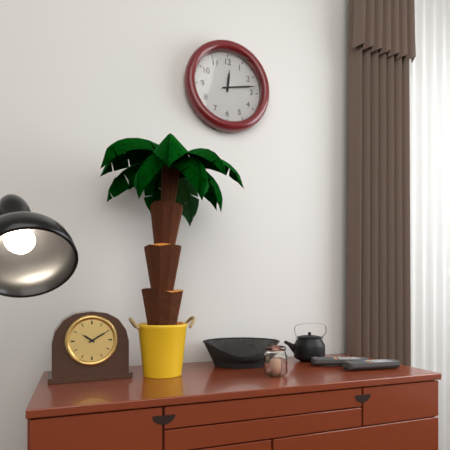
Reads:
h=12 m=13
